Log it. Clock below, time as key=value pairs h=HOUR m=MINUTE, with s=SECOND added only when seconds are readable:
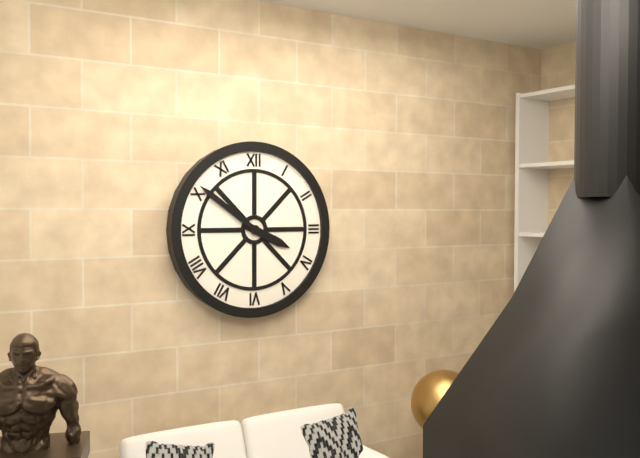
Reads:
h=3 m=51
